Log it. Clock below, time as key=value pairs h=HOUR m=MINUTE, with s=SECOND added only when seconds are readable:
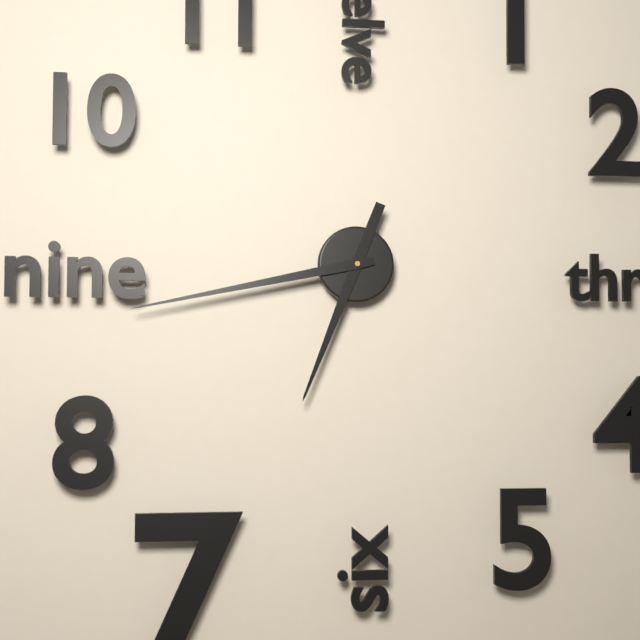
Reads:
h=6 m=43
